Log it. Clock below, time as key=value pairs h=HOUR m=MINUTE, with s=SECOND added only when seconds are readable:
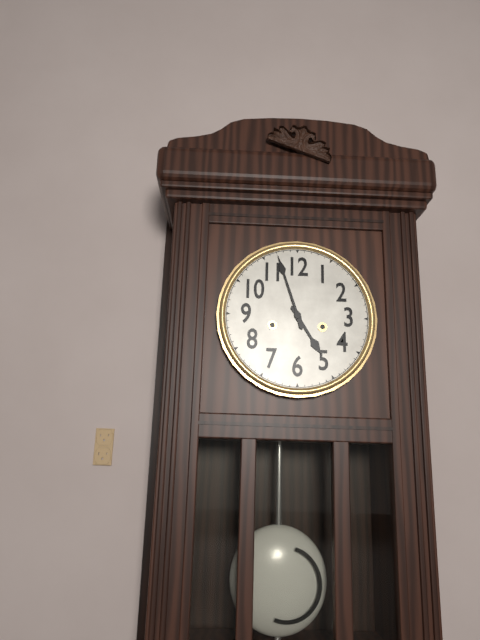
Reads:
h=4 m=57
